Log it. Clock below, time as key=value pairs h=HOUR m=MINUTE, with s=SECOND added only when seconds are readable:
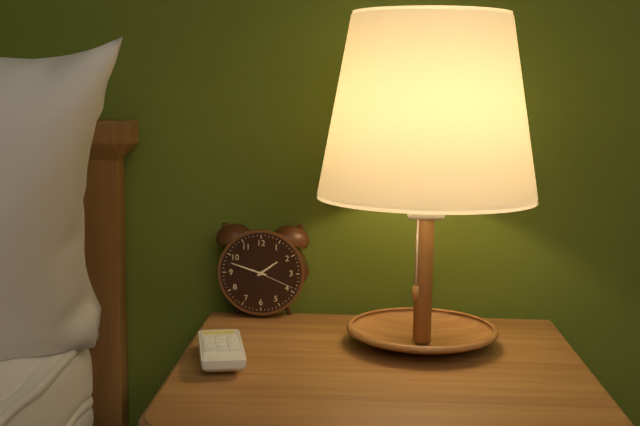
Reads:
h=1 m=48
